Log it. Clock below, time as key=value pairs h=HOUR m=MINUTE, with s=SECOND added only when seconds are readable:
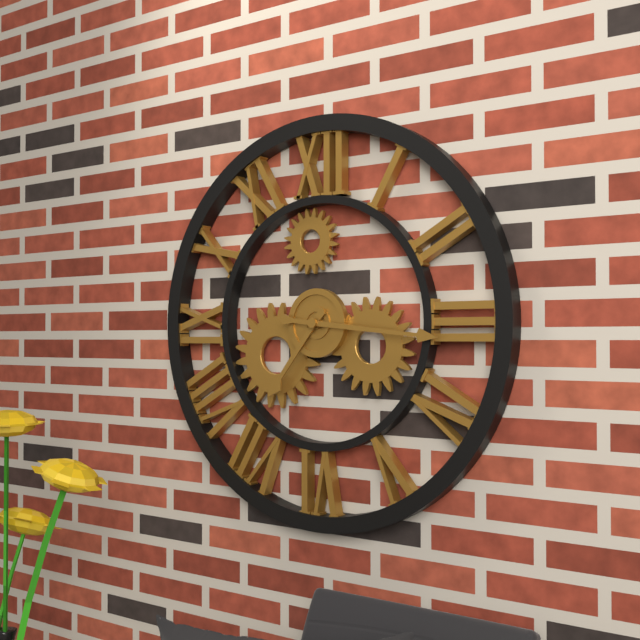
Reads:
h=7 m=16
